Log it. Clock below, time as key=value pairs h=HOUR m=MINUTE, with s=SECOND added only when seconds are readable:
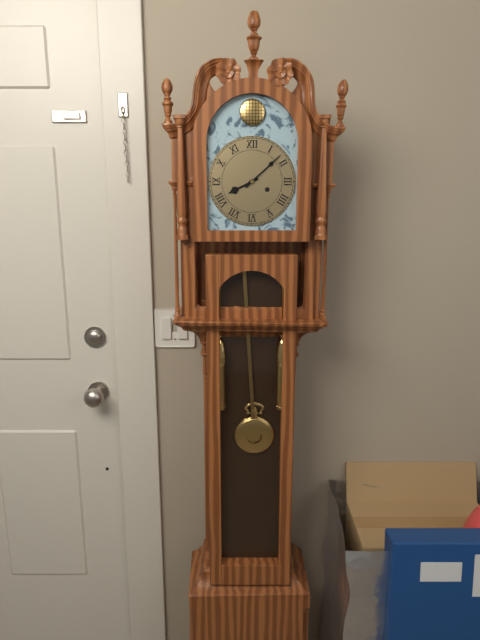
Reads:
h=8 m=8
